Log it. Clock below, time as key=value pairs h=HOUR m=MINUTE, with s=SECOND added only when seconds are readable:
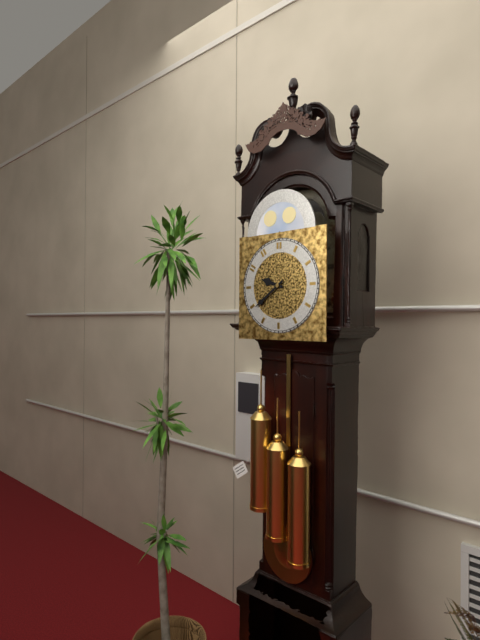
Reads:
h=9 m=39
